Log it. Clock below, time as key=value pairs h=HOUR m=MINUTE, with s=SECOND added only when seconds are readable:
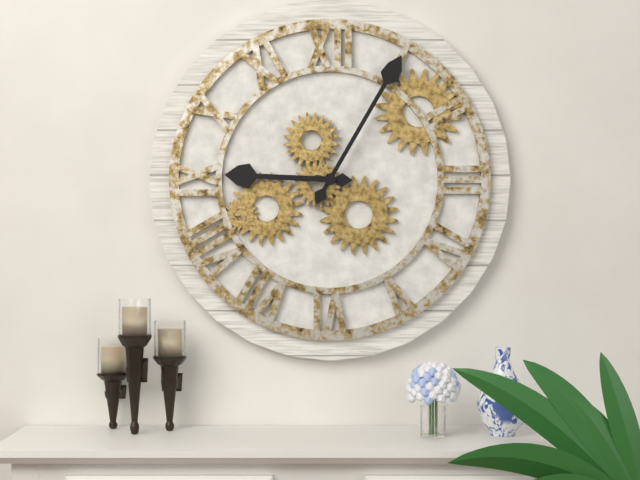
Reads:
h=9 m=5
